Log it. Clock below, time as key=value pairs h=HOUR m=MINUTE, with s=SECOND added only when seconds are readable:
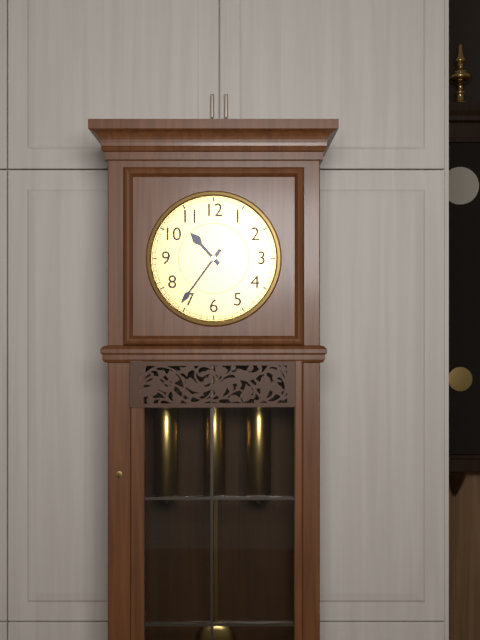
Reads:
h=10 m=36
